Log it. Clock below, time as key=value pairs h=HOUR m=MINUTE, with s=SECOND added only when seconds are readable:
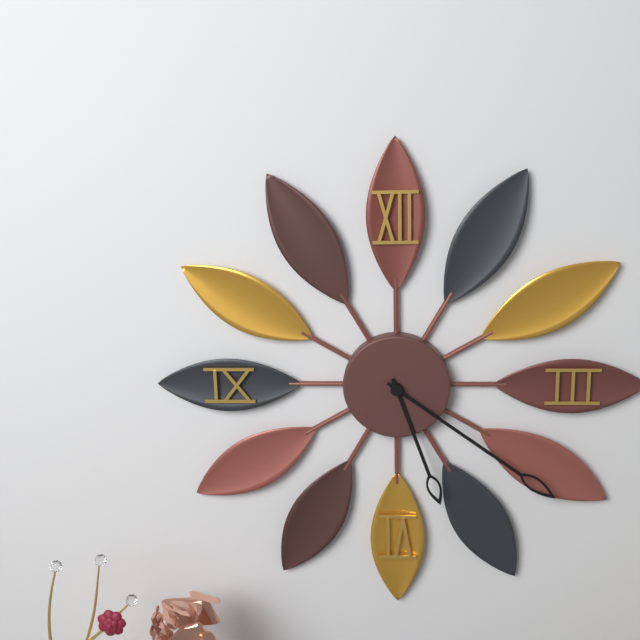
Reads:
h=5 m=21
